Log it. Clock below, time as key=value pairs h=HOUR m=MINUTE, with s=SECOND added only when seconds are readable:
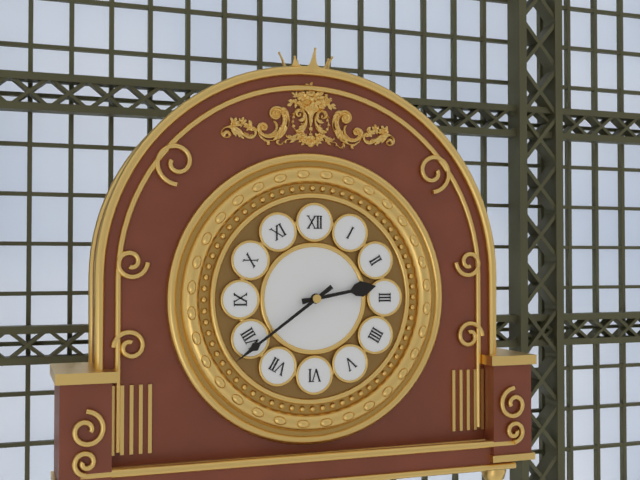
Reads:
h=2 m=39
